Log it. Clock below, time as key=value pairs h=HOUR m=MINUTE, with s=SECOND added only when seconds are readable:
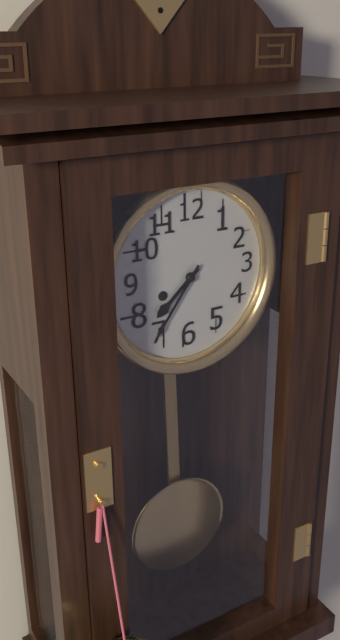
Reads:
h=7 m=36
